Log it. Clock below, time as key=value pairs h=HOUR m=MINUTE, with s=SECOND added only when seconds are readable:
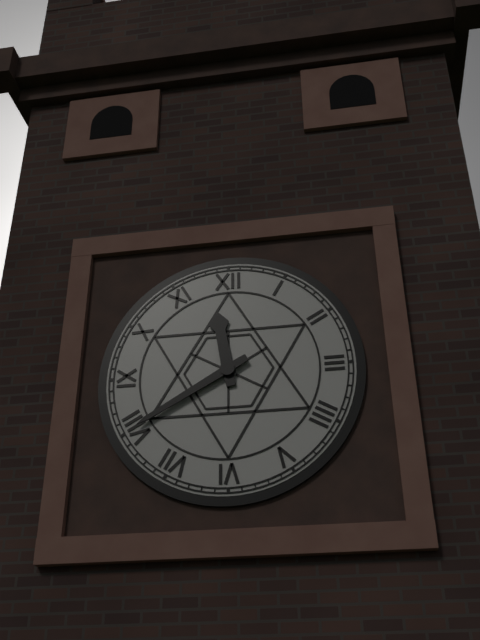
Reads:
h=11 m=40
